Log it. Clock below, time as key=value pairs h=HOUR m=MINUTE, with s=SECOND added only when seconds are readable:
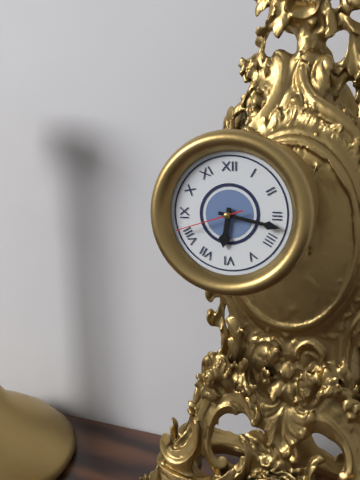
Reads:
h=6 m=17 s=42
